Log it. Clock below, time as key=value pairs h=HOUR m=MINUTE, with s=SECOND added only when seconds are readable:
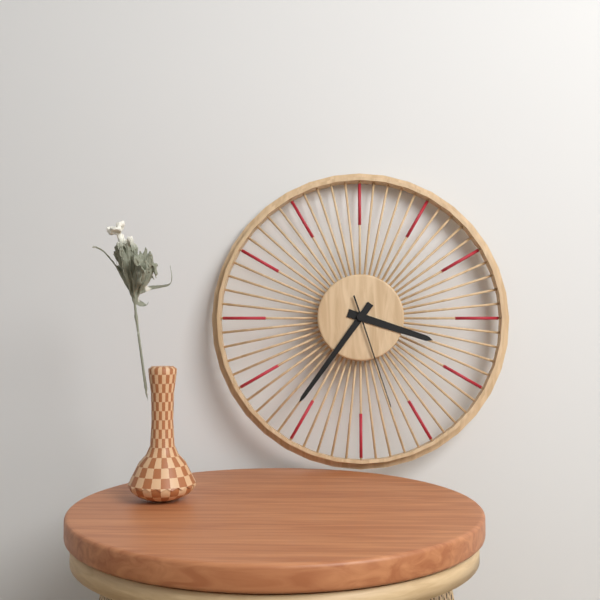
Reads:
h=3 m=36 s=27
